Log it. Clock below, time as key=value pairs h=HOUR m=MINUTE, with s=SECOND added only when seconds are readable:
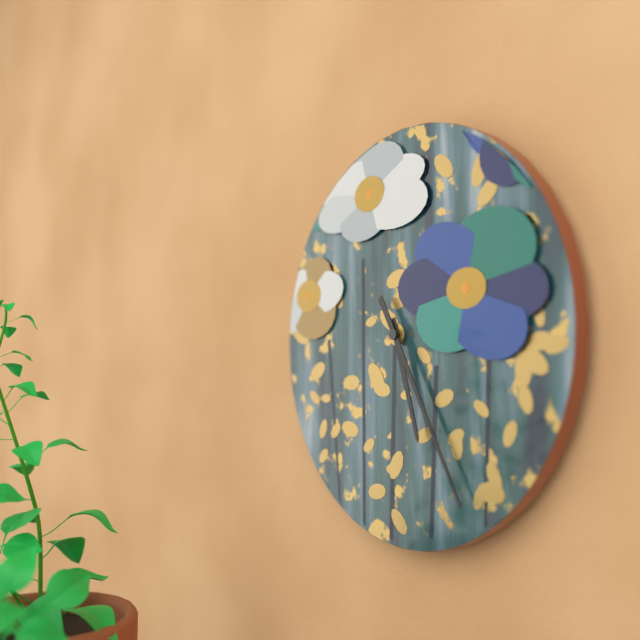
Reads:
h=5 m=25
